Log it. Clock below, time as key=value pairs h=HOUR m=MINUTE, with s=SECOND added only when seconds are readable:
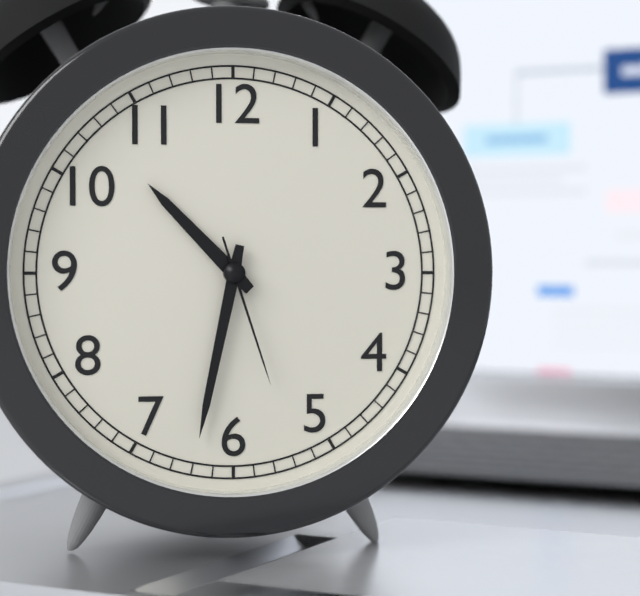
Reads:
h=10 m=32 s=27
